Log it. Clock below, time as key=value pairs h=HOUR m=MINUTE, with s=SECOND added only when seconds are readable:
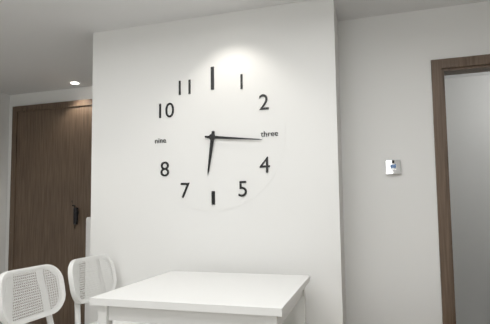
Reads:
h=6 m=16
